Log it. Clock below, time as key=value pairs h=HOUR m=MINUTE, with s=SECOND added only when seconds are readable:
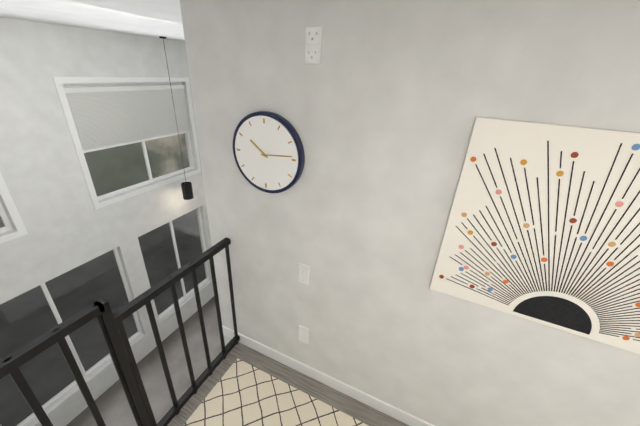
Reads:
h=10 m=14
